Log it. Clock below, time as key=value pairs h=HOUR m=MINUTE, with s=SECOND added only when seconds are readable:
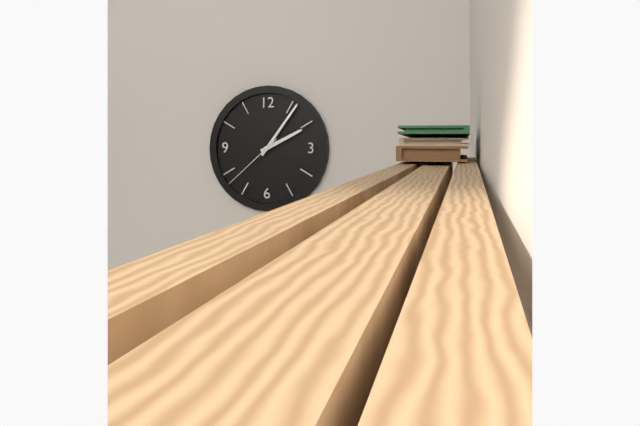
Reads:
h=2 m=6 s=38
